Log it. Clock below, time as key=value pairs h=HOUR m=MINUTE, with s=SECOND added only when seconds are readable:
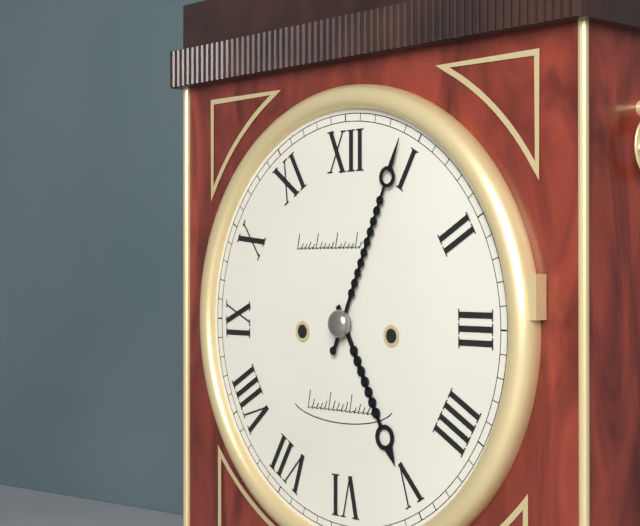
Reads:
h=5 m=4
